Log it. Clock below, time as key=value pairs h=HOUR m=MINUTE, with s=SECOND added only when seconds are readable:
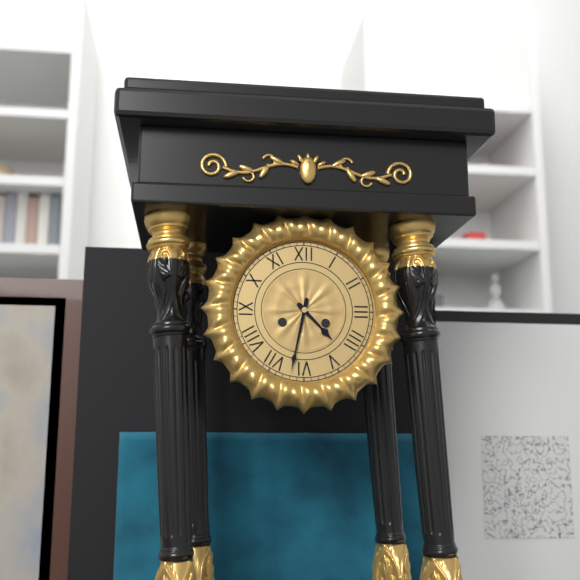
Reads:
h=4 m=32
